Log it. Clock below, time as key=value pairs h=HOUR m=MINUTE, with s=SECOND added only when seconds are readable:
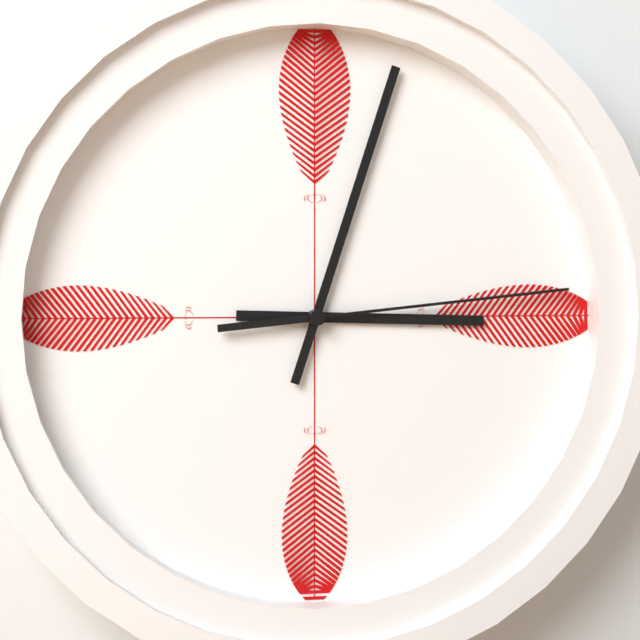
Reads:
h=3 m=3 s=14
